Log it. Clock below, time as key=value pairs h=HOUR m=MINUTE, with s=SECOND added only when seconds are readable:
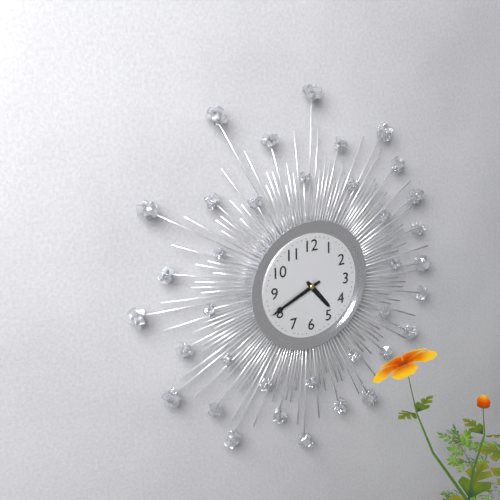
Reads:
h=4 m=41
